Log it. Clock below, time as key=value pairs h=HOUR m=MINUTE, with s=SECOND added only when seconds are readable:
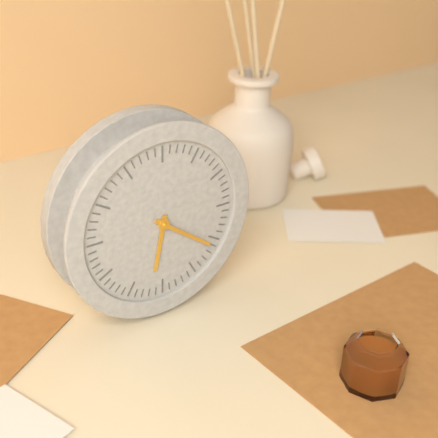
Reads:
h=6 m=21
